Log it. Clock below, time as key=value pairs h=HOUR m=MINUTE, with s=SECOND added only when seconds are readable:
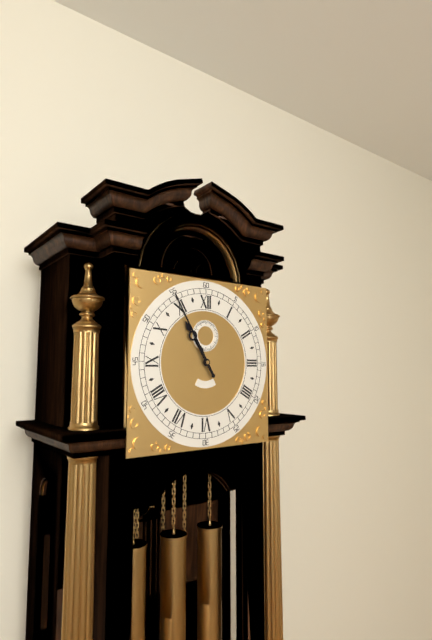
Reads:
h=10 m=55
